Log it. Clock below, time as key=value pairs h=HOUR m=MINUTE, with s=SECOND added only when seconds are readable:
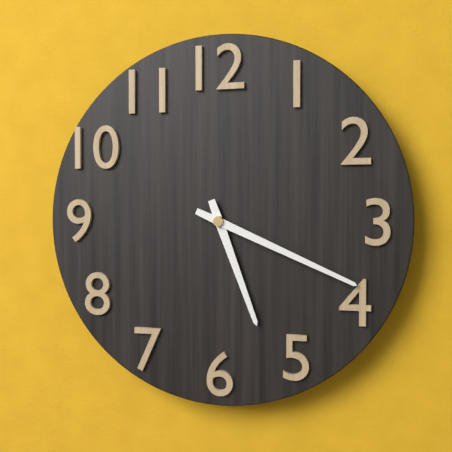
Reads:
h=5 m=19
